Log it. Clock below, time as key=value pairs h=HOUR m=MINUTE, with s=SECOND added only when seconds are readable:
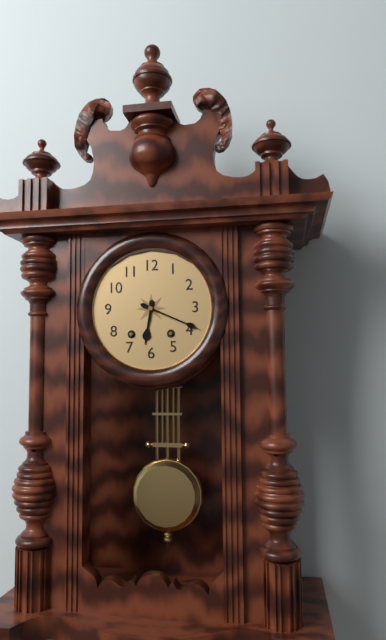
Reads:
h=6 m=19
